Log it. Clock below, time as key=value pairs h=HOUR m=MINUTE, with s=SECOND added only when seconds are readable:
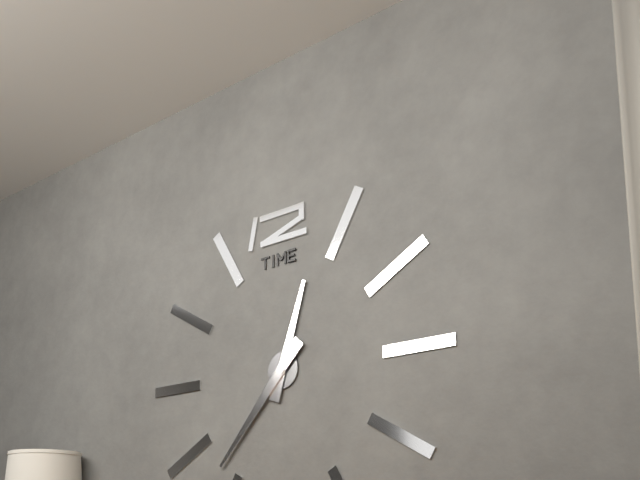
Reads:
h=12 m=37
